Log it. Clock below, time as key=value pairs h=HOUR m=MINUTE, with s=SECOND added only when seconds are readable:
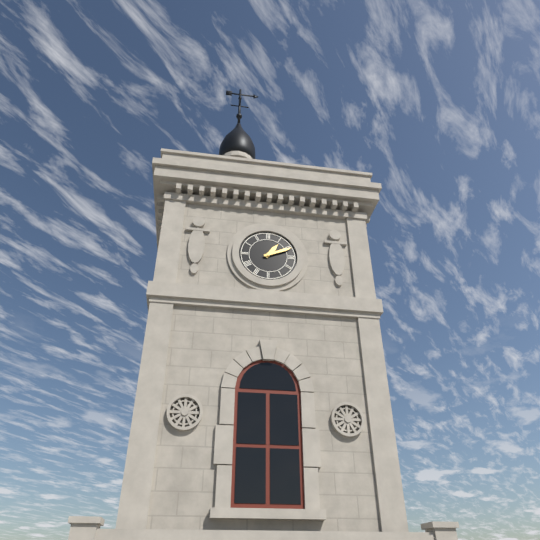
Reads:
h=1 m=11
